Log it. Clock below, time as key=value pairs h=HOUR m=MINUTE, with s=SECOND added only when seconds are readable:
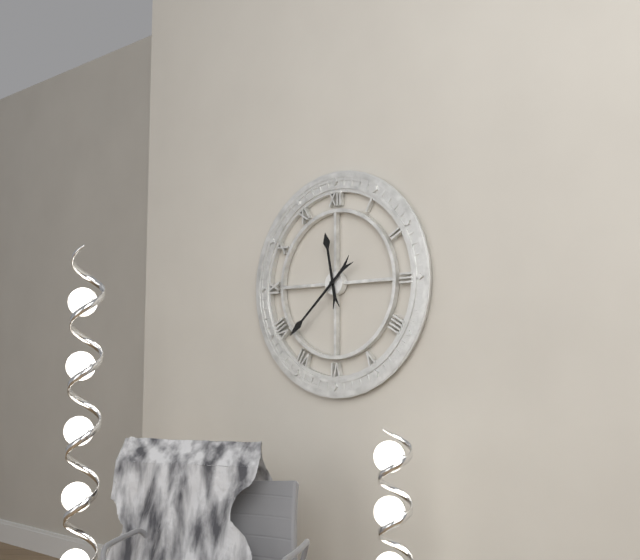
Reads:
h=11 m=38
